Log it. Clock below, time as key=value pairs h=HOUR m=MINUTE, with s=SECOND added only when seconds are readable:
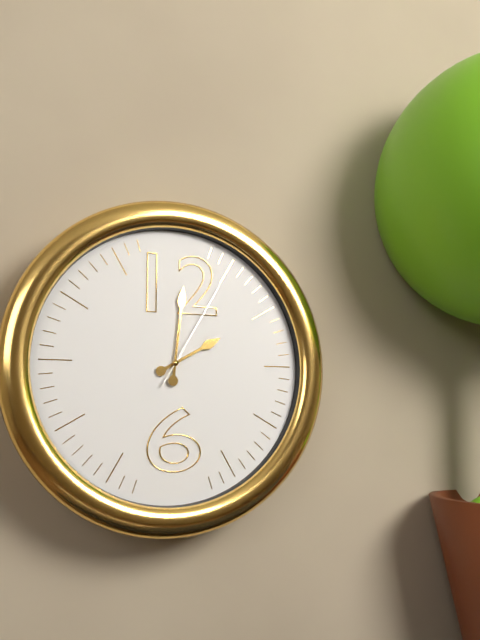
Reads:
h=2 m=1 s=5
